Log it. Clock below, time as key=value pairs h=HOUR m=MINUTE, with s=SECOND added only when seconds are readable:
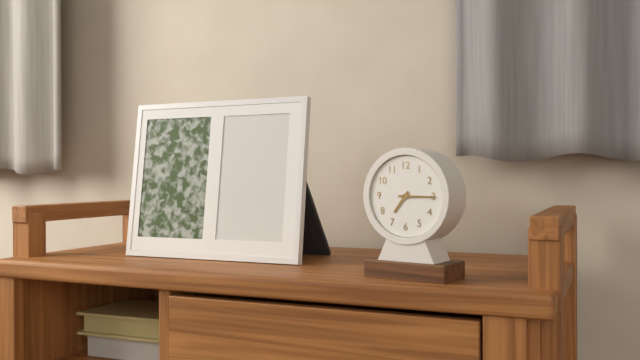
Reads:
h=7 m=15
